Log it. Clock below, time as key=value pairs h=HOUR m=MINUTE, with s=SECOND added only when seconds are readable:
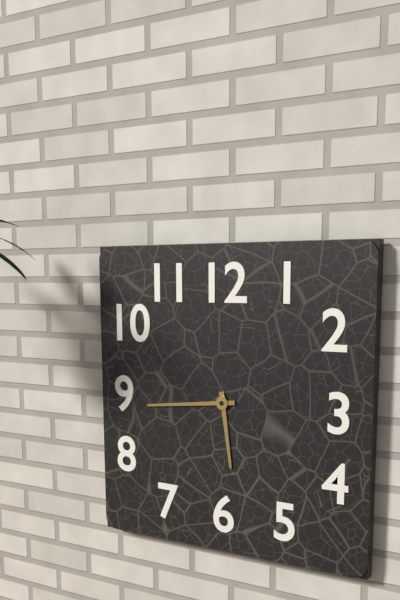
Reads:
h=5 m=44
